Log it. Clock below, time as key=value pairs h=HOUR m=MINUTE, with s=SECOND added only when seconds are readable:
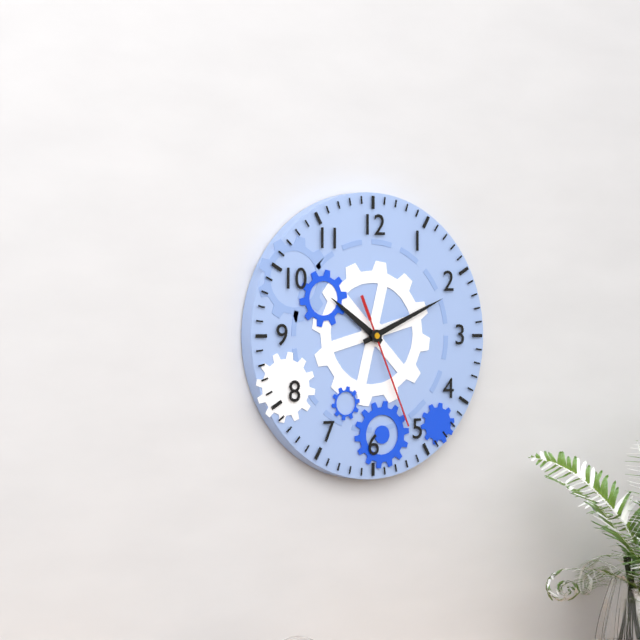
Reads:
h=10 m=11 s=26
